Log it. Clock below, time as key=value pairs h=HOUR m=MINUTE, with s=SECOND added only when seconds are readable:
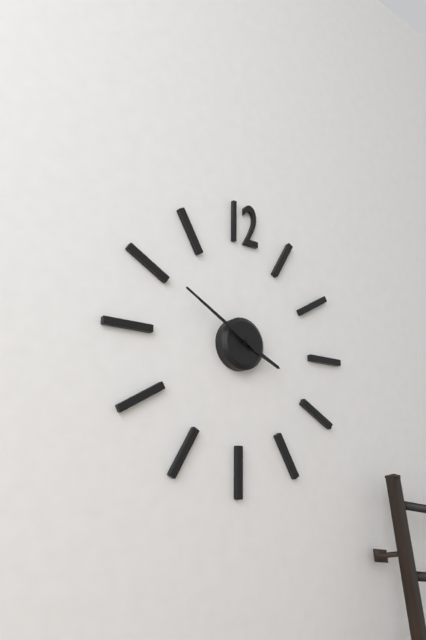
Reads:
h=3 m=50
